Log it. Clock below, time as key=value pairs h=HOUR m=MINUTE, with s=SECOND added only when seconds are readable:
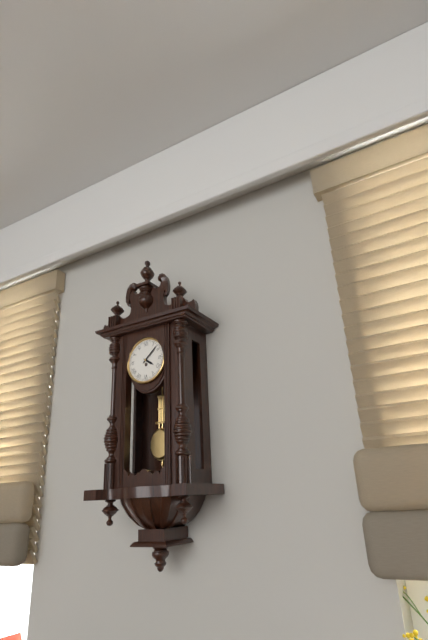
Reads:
h=4 m=8
